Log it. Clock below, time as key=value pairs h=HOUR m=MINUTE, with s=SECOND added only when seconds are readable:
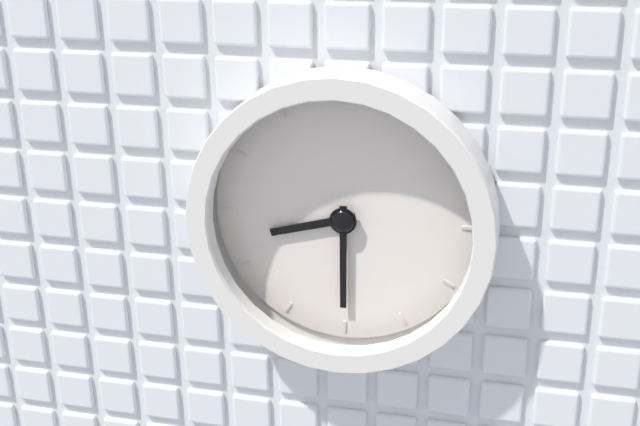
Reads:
h=8 m=30
